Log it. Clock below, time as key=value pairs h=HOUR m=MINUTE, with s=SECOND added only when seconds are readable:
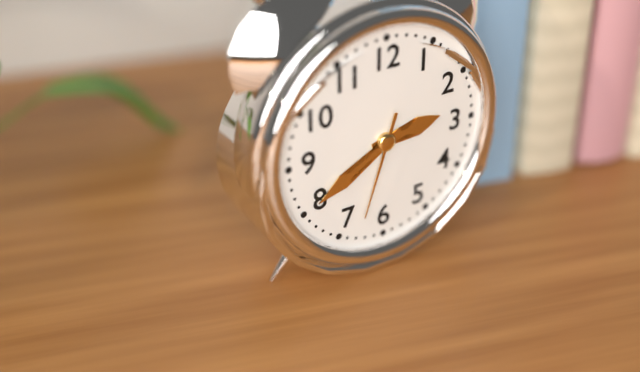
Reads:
h=2 m=40 s=33
